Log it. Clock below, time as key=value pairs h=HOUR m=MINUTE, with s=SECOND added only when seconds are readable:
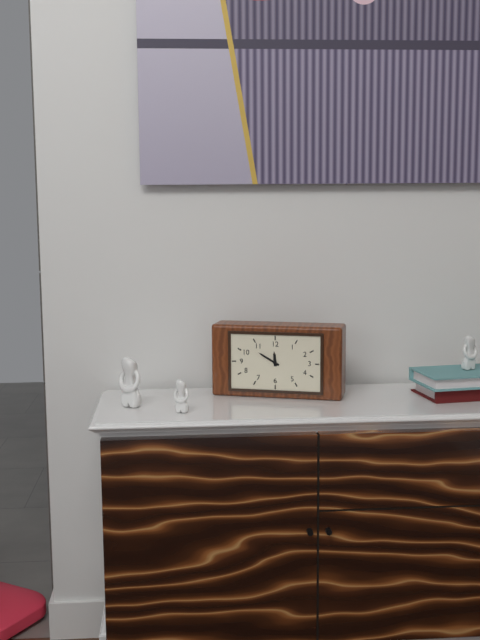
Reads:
h=11 m=50
